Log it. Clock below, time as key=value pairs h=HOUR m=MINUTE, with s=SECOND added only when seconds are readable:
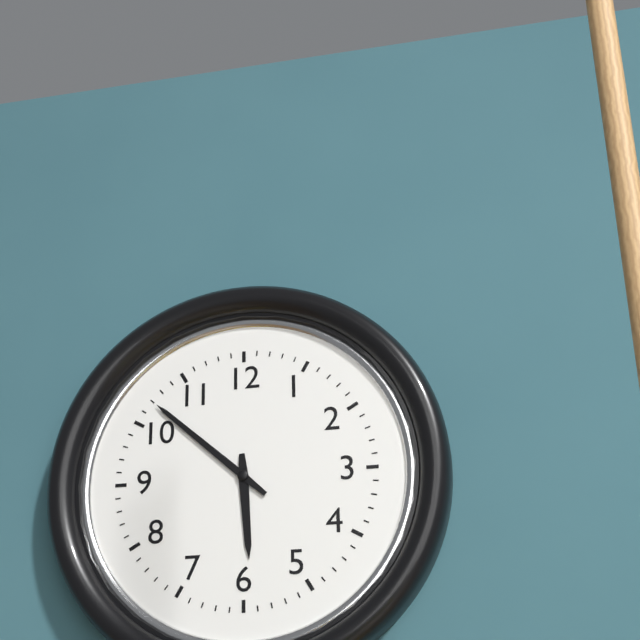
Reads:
h=5 m=52
